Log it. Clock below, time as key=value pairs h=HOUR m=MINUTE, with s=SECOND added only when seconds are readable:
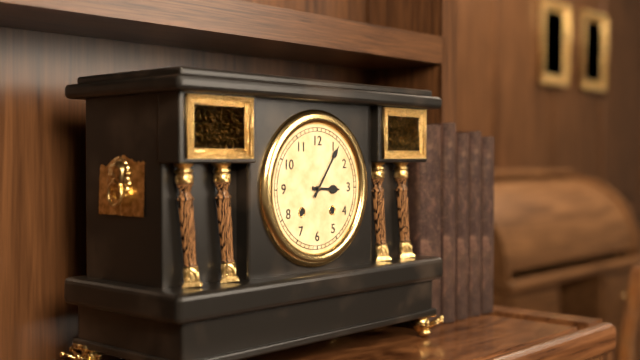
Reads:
h=3 m=6
